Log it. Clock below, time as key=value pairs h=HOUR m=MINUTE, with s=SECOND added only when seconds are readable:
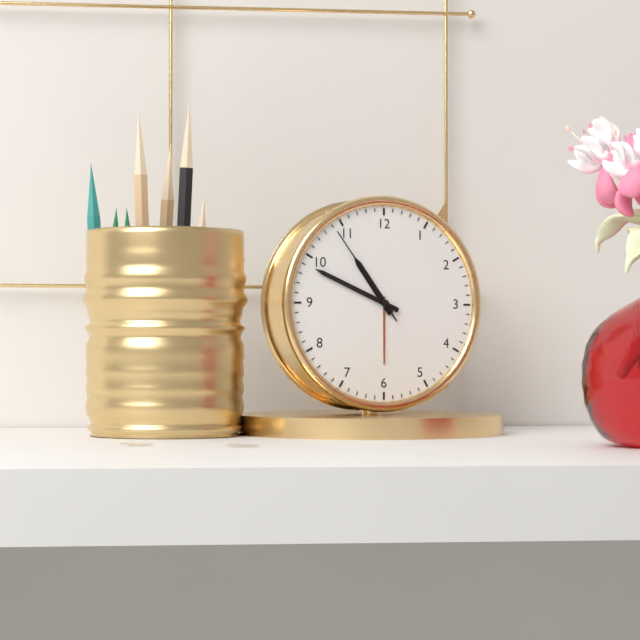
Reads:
h=10 m=49 s=54
